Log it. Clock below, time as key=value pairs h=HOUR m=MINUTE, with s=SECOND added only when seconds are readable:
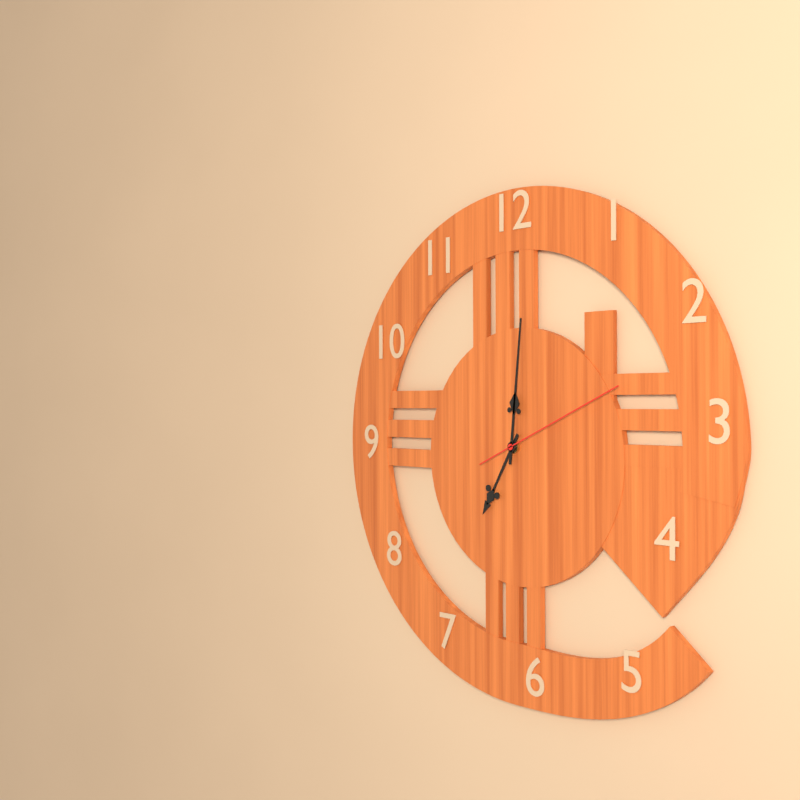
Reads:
h=7 m=1 s=11
